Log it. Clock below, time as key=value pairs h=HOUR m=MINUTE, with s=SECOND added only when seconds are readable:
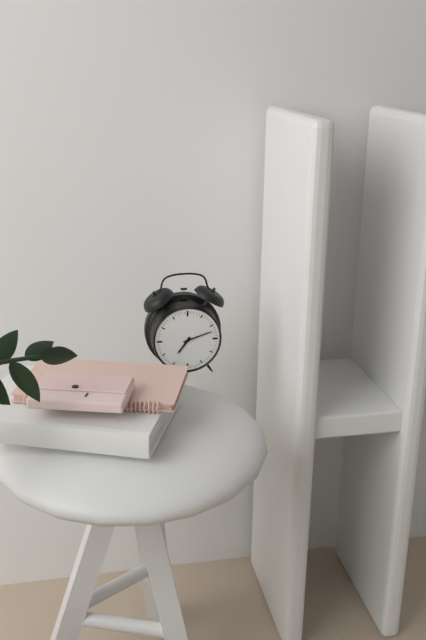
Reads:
h=7 m=12
